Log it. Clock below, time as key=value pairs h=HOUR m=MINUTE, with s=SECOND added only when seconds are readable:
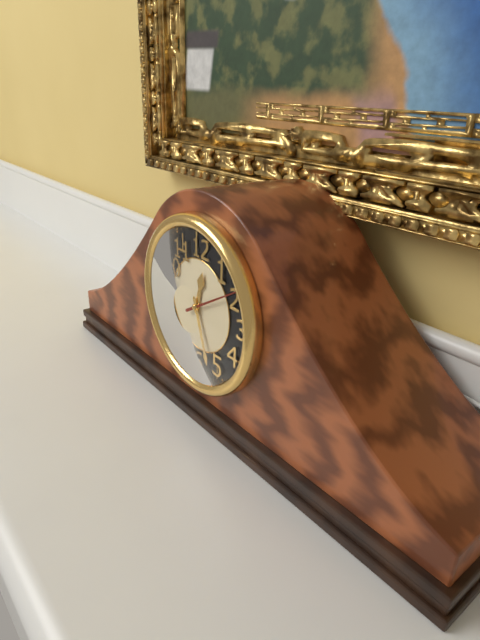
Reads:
h=12 m=27
